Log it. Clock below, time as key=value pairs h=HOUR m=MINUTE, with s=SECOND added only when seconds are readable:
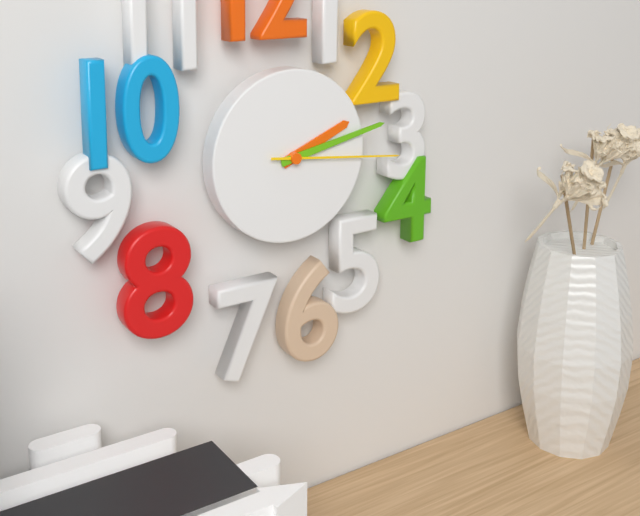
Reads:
h=2 m=13 s=16
